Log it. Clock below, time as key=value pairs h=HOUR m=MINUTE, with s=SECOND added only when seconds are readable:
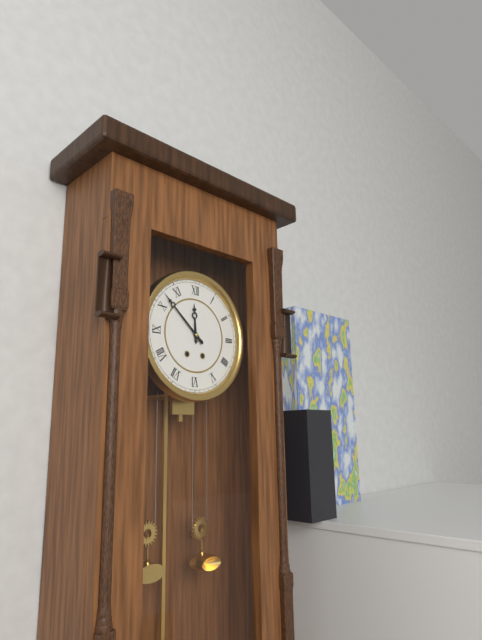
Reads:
h=11 m=52
